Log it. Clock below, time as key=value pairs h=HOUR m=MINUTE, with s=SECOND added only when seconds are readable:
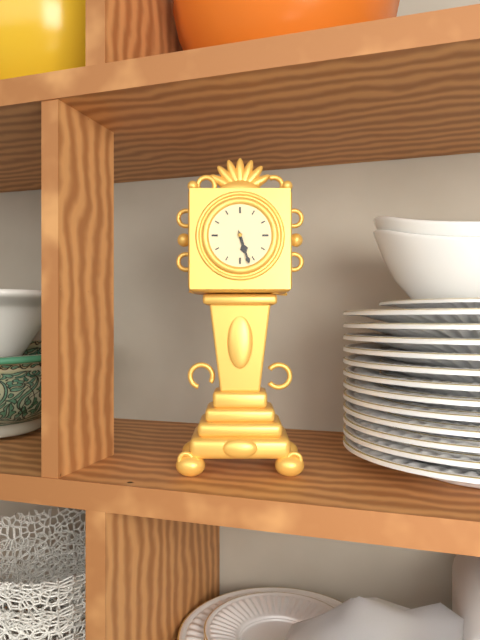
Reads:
h=5 m=27
